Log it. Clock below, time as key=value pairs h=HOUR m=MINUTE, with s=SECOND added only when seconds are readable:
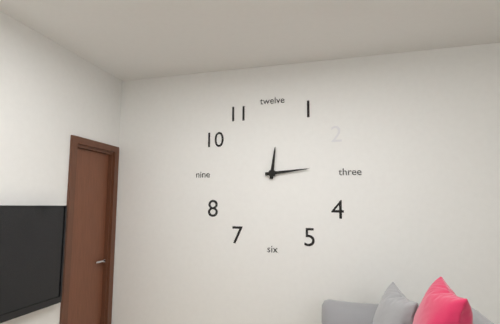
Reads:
h=12 m=14
